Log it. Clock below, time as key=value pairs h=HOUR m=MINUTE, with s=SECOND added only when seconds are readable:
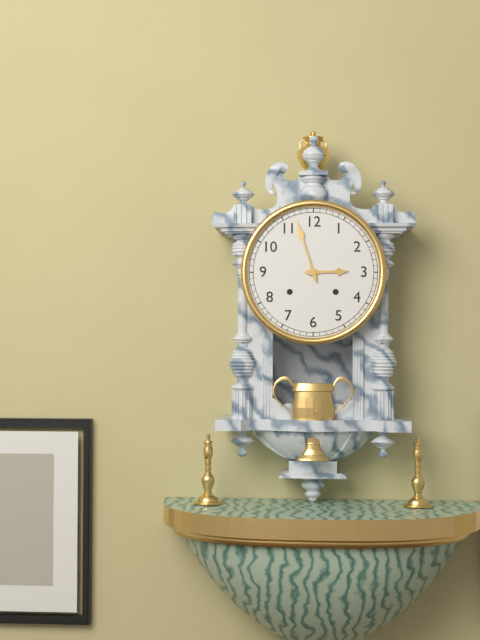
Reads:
h=2 m=57
